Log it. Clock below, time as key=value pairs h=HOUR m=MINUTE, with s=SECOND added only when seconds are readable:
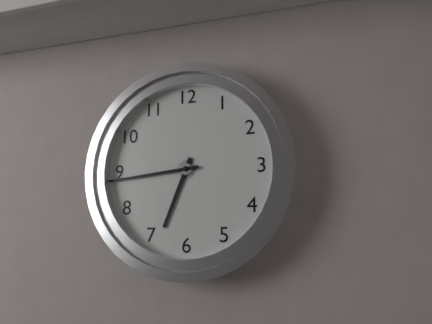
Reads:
h=6 m=44
